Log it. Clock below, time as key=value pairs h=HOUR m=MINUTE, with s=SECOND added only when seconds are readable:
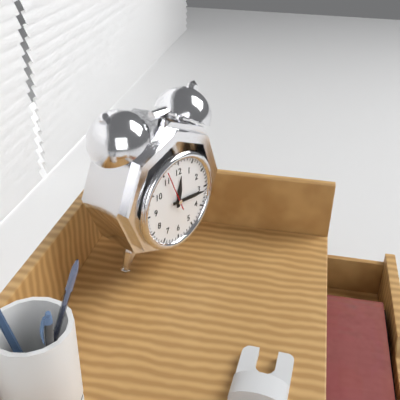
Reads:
h=12 m=16
